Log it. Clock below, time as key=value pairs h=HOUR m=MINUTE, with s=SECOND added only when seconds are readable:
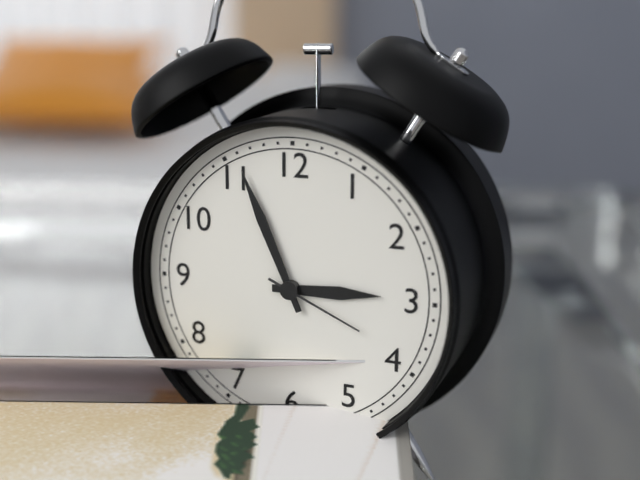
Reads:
h=2 m=56 s=19
